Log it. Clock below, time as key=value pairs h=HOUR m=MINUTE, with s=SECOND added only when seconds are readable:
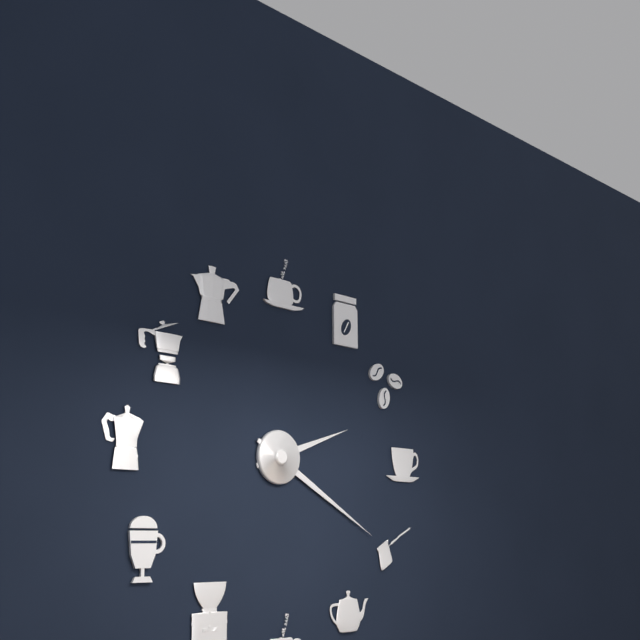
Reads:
h=2 m=20
